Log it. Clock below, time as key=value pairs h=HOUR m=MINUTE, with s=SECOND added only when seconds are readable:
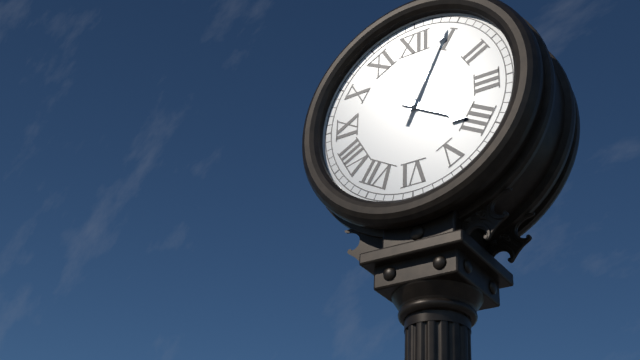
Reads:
h=4 m=4
